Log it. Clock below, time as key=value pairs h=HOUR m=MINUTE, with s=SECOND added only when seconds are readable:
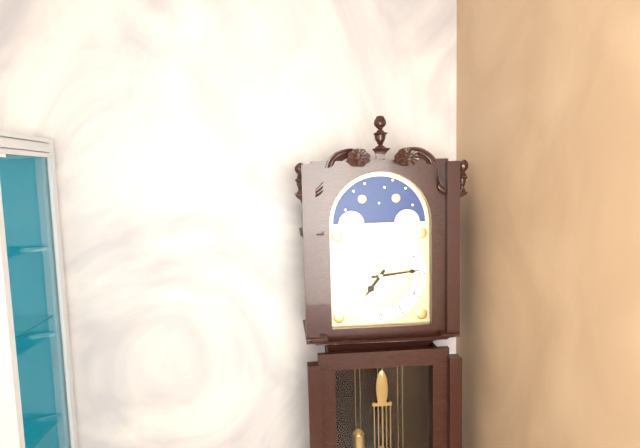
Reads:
h=7 m=14
